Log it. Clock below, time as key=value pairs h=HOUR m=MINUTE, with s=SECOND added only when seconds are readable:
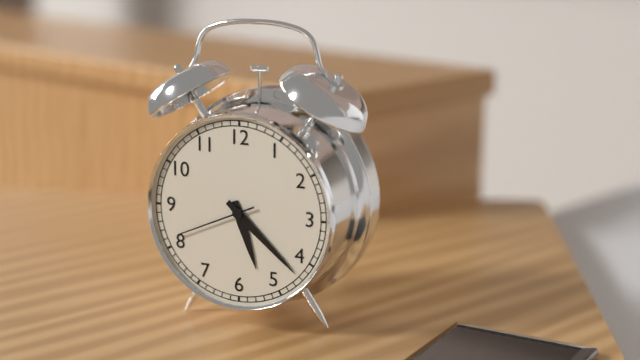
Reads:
h=5 m=22 s=41
